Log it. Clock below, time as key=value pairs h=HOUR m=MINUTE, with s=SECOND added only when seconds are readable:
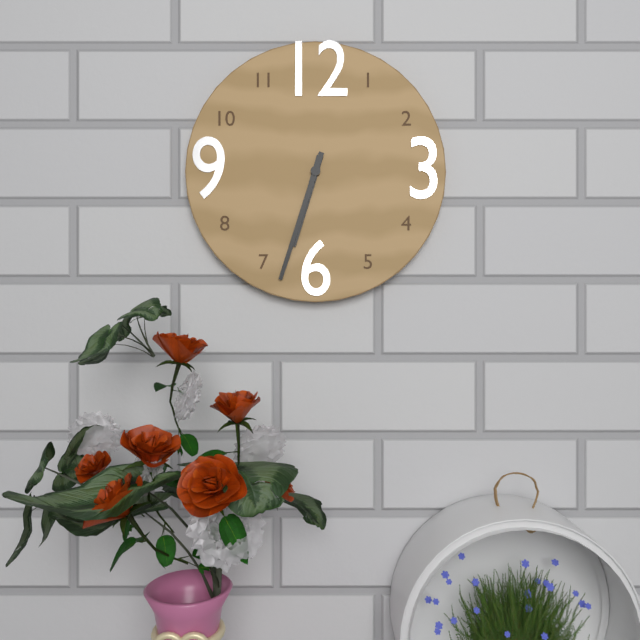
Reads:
h=6 m=33
